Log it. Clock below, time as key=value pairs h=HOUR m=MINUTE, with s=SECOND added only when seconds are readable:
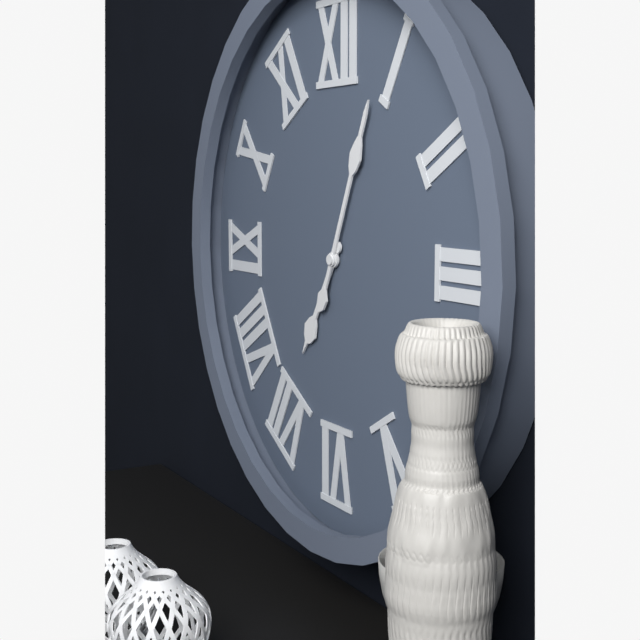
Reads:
h=7 m=4
